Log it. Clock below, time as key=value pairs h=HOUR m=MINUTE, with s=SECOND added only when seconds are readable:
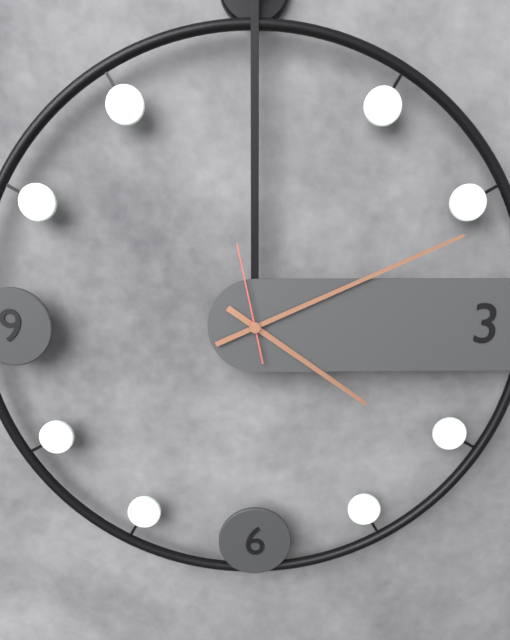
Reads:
h=4 m=11 s=58
